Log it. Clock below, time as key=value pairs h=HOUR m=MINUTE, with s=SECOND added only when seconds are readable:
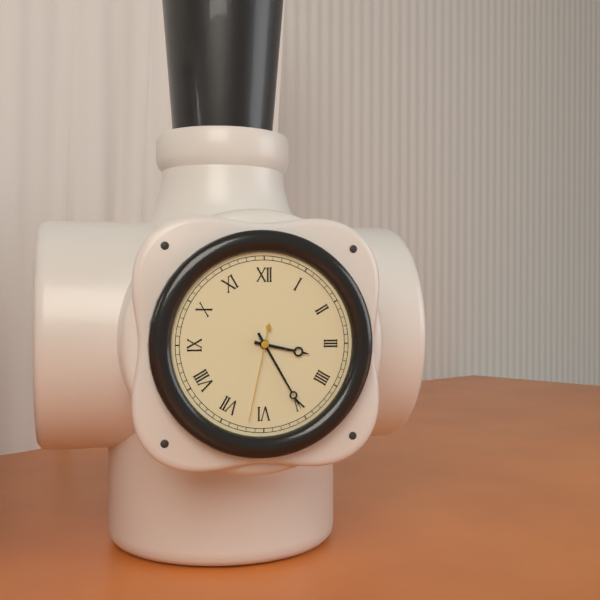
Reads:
h=3 m=25 s=32
